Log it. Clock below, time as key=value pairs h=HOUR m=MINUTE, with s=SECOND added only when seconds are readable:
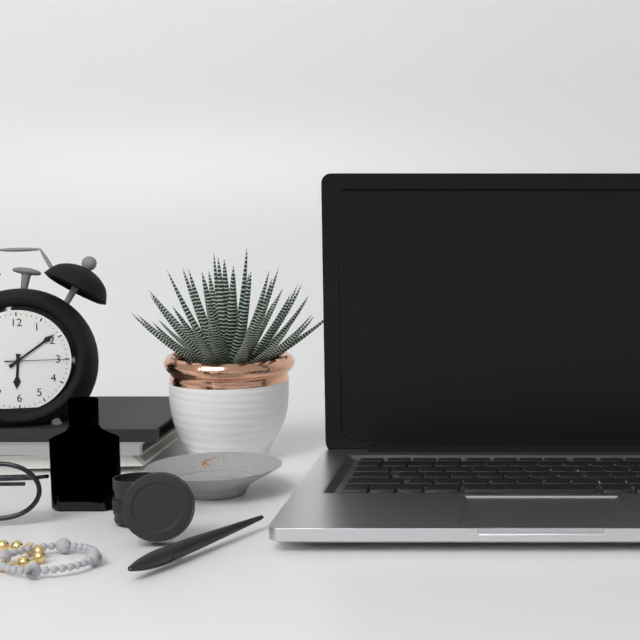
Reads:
h=6 m=9 s=15
